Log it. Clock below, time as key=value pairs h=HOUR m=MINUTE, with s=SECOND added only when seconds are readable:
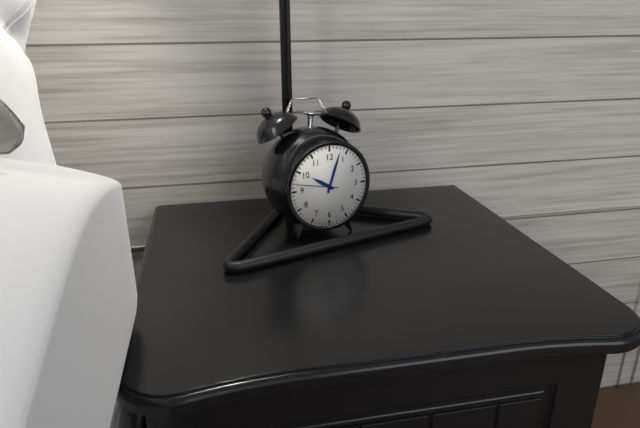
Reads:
h=10 m=3
